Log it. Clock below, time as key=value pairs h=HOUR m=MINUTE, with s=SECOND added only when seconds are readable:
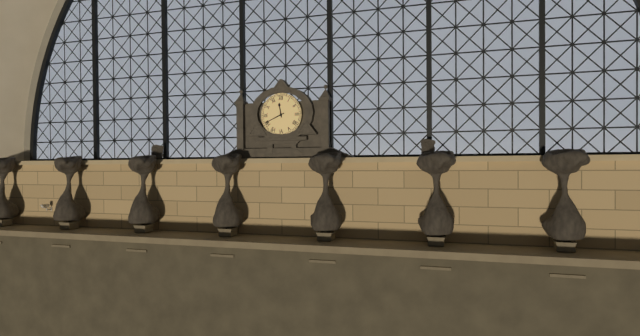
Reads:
h=11 m=41
